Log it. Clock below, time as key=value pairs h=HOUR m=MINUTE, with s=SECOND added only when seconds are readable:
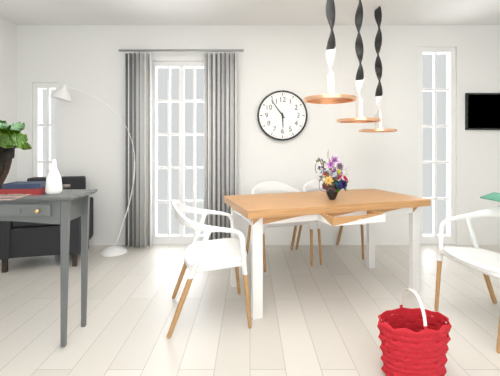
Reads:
h=5 m=54
